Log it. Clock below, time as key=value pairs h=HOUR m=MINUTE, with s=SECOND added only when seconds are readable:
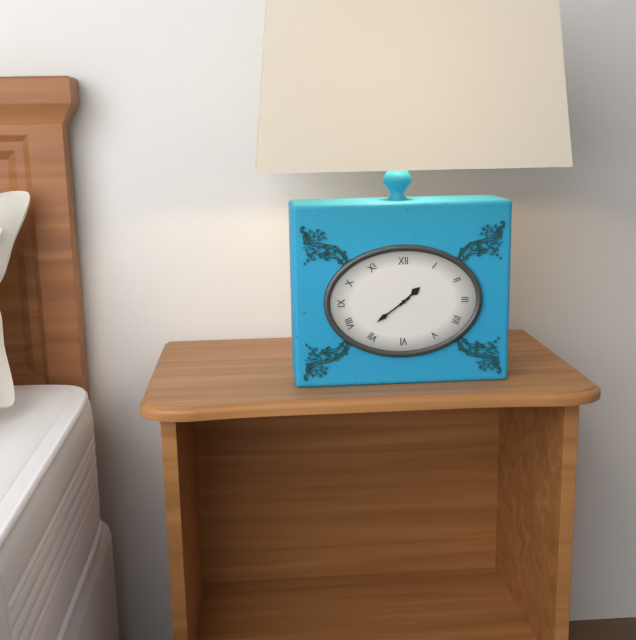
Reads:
h=1 m=39
